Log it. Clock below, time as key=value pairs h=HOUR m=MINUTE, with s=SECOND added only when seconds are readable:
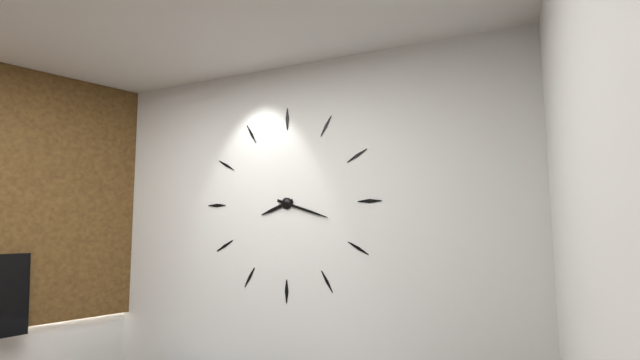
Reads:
h=8 m=18
